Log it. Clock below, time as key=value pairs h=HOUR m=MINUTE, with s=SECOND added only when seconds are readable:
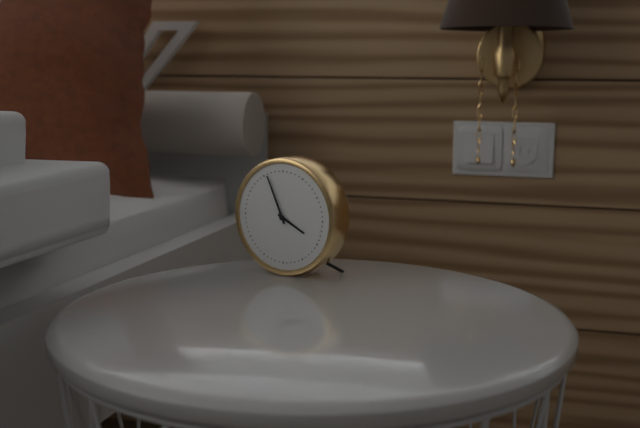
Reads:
h=3 m=56
